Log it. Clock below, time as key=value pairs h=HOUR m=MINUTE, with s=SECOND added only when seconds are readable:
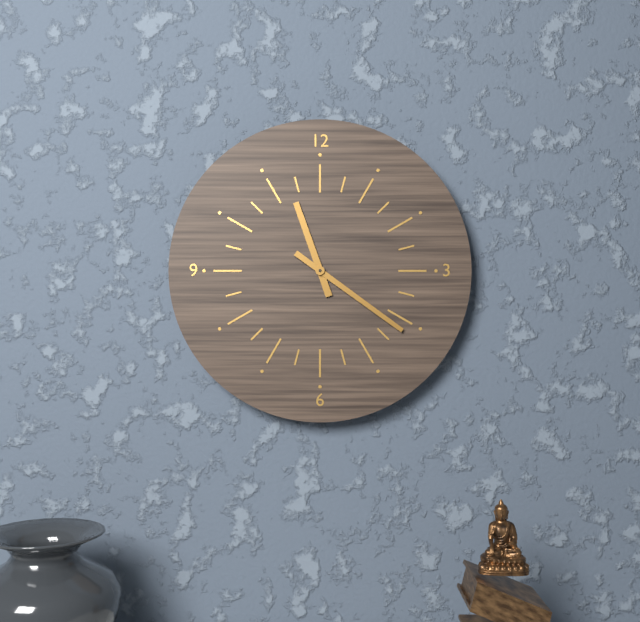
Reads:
h=11 m=21
